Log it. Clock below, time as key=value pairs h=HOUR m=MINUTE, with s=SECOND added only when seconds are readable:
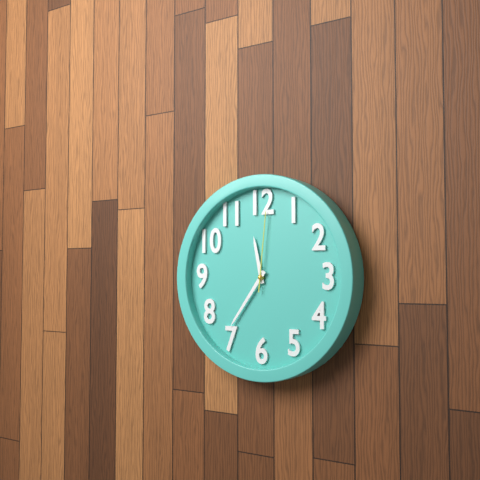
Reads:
h=11 m=36 s=1
